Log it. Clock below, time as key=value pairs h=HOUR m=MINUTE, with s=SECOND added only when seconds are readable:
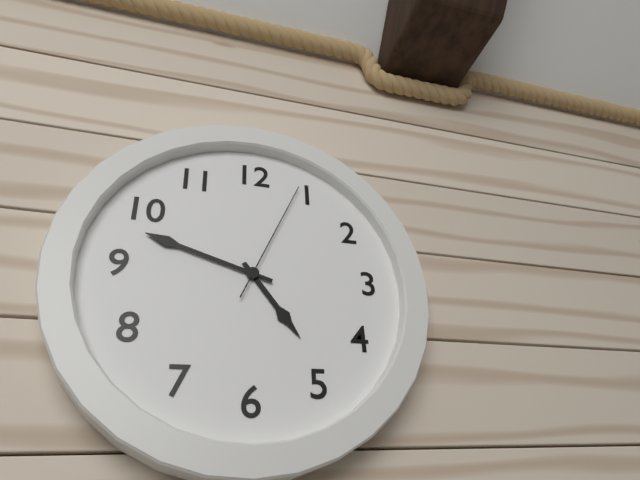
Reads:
h=4 m=48 s=4
